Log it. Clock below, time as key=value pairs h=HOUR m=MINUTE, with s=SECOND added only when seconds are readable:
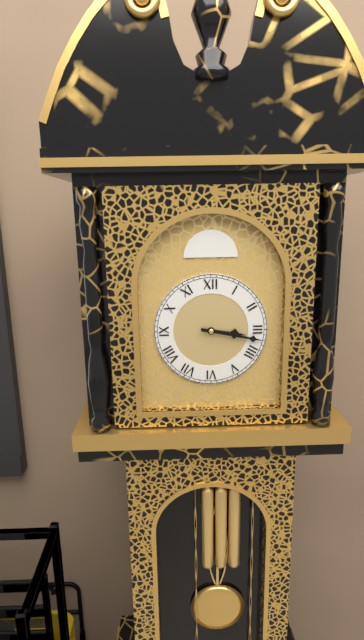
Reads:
h=3 m=17
